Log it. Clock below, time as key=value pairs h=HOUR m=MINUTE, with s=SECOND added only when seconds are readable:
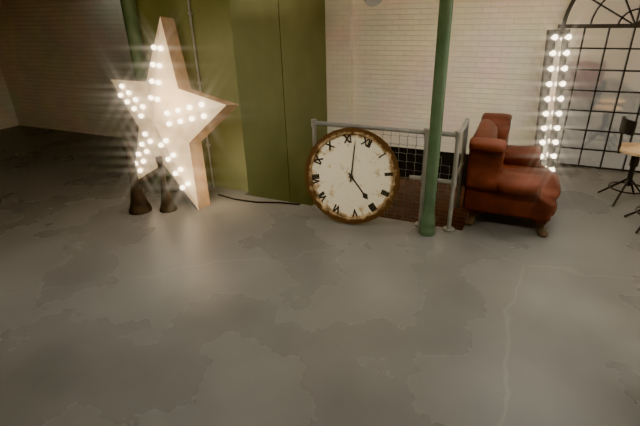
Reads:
h=3 m=57
